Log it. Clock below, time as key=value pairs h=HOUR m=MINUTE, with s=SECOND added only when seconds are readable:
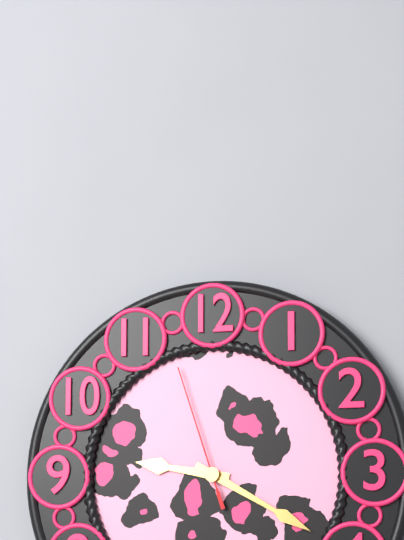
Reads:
h=9 m=20 s=57
